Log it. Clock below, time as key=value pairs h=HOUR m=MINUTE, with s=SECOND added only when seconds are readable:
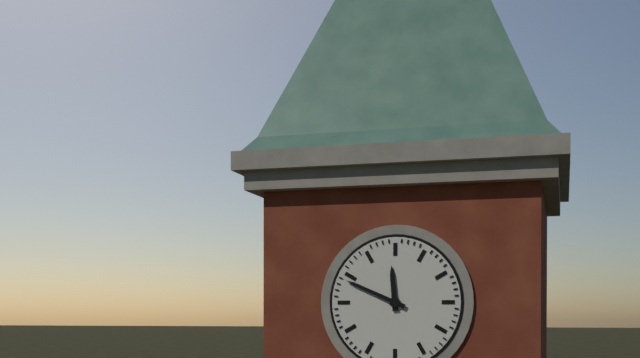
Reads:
h=11 m=49
